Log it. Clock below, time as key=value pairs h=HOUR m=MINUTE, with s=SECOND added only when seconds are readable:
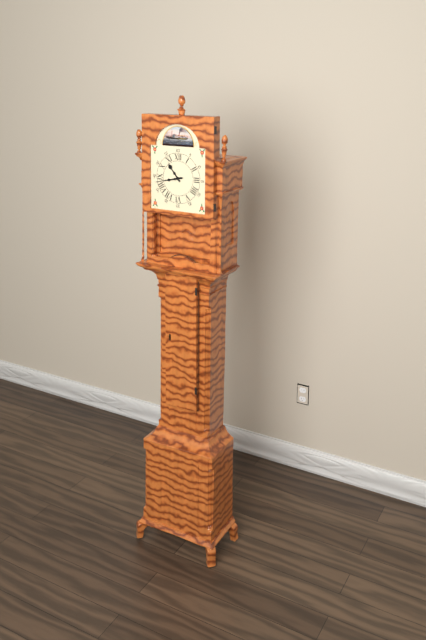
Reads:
h=10 m=43
